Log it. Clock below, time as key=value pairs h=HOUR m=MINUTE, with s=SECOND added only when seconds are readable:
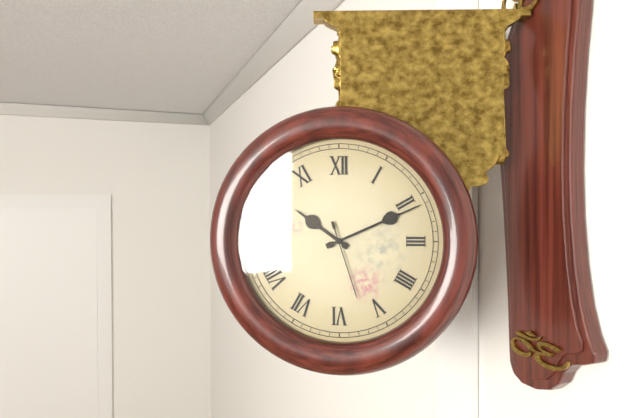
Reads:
h=10 m=11 s=27
